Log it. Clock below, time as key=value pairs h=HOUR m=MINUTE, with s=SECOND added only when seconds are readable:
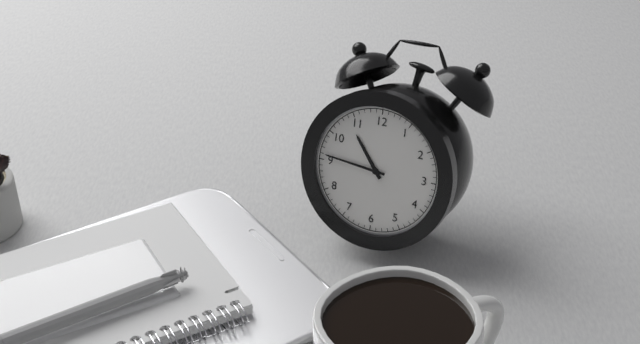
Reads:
h=10 m=46
